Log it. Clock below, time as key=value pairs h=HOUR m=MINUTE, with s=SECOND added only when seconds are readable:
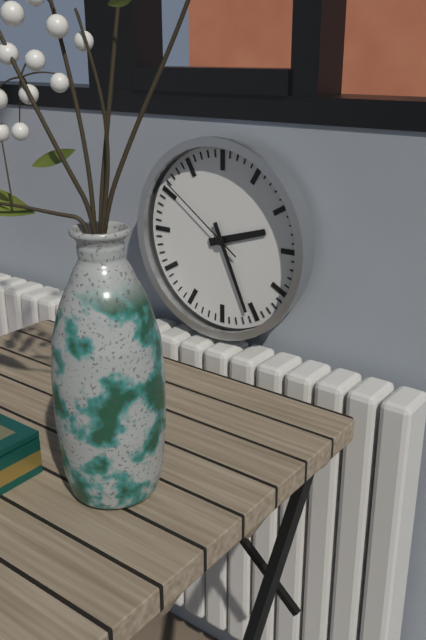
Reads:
h=2 m=26 s=51
